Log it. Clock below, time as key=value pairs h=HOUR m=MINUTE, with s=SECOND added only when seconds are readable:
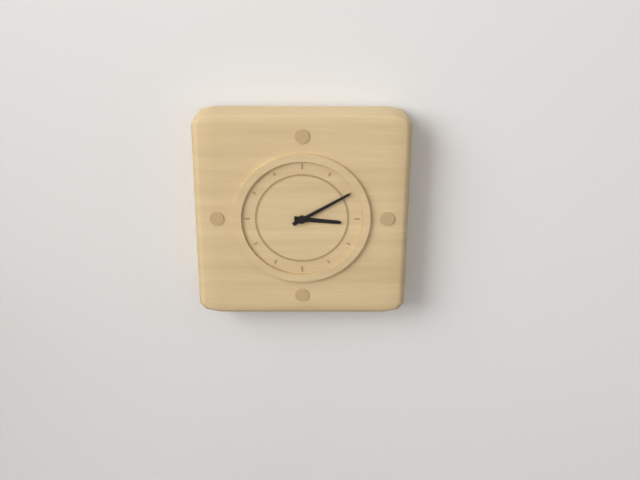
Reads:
h=3 m=10
